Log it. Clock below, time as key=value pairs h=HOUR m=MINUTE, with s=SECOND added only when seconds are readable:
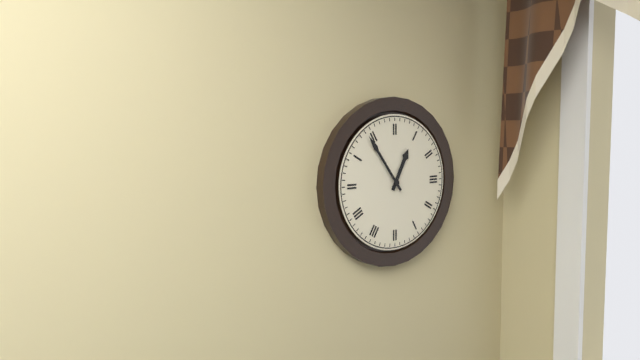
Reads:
h=12 m=54
